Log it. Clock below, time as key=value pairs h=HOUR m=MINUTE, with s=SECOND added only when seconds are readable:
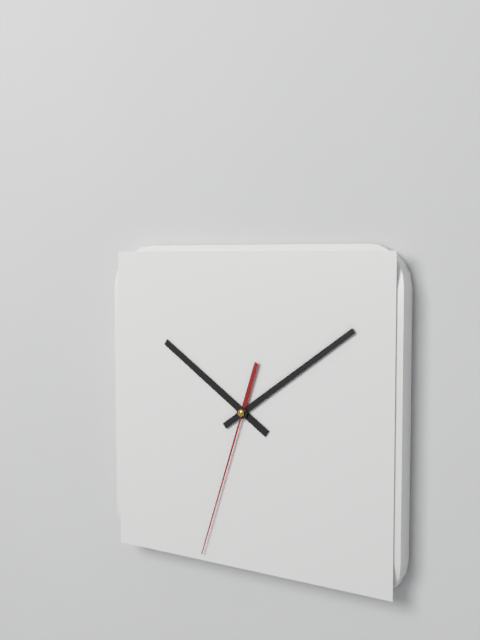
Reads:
h=10 m=9 s=33
